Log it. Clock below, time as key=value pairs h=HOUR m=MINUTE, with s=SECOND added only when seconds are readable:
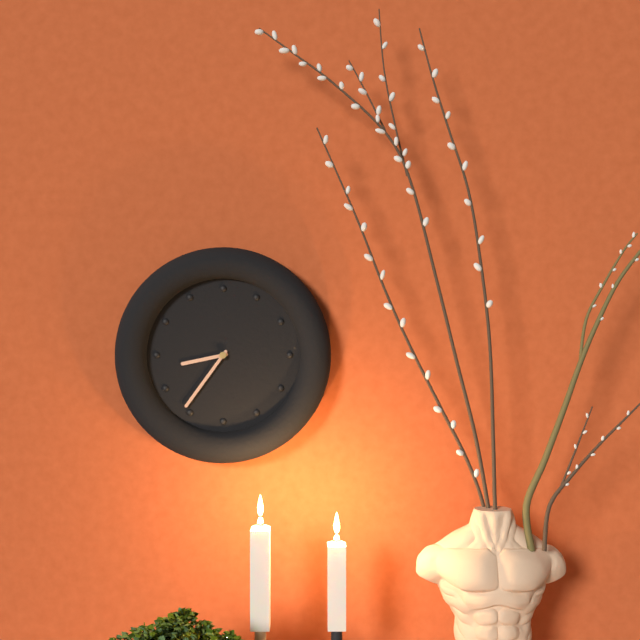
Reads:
h=8 m=36
